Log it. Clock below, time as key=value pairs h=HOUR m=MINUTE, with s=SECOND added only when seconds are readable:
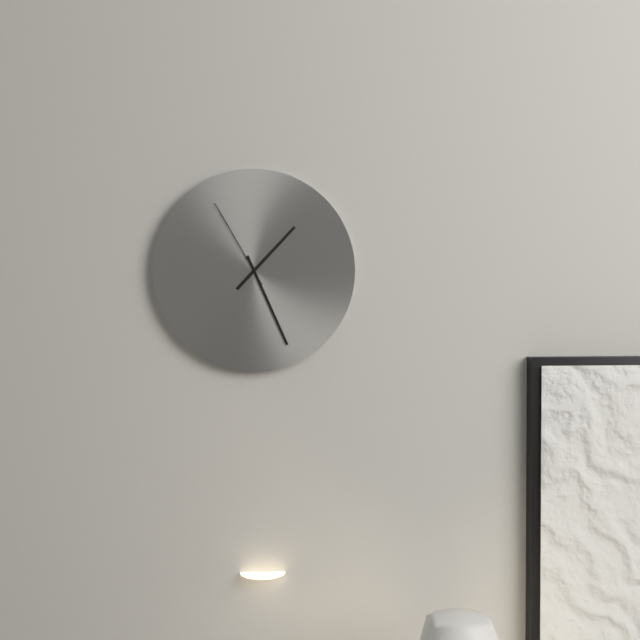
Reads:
h=1 m=26 s=55
